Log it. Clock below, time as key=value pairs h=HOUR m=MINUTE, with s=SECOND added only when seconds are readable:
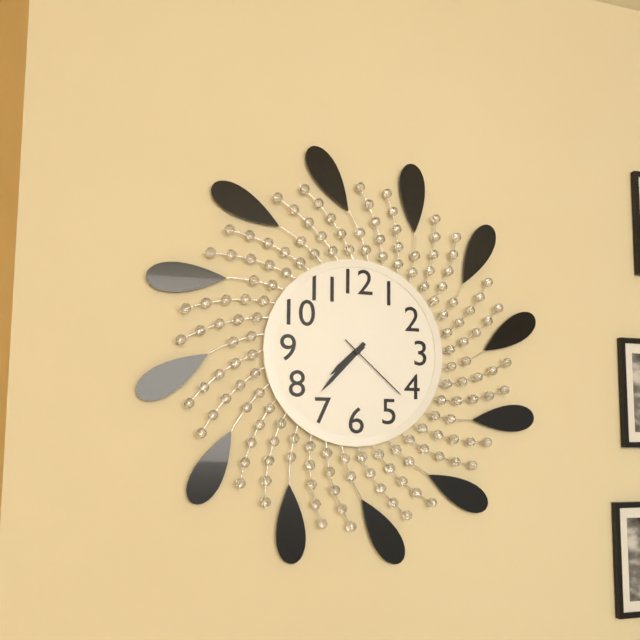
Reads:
h=7 m=37 s=22
